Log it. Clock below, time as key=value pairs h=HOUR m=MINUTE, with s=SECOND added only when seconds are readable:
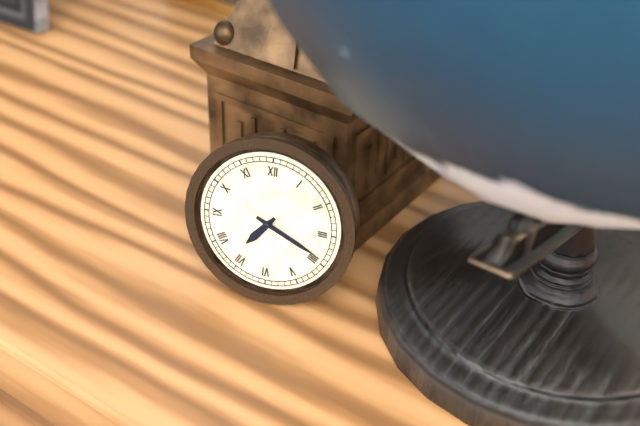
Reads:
h=7 m=19
